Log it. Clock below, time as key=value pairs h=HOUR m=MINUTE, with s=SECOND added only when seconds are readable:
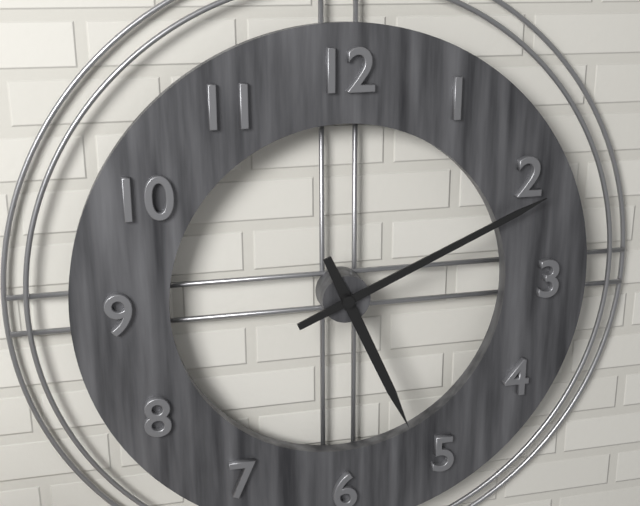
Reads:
h=5 m=11
